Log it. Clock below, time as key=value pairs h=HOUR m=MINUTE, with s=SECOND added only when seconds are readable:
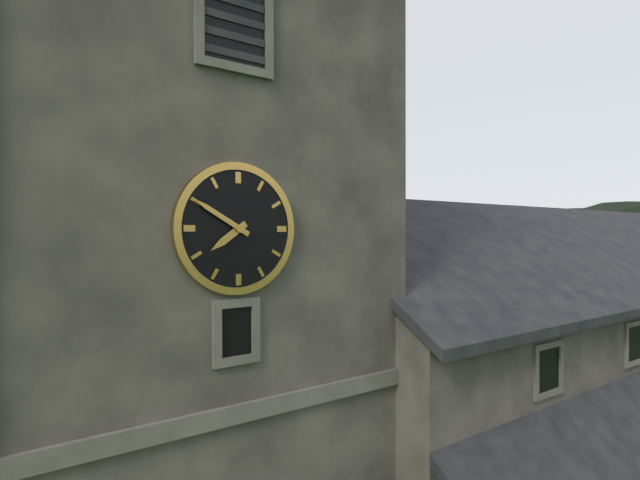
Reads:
h=7 m=50
